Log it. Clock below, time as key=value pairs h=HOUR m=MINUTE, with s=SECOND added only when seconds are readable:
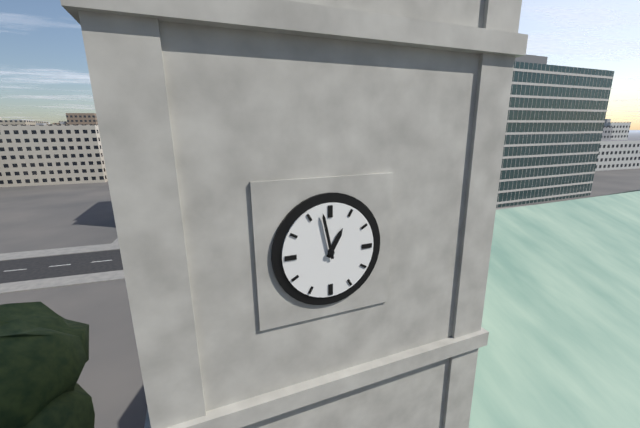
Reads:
h=12 m=58
